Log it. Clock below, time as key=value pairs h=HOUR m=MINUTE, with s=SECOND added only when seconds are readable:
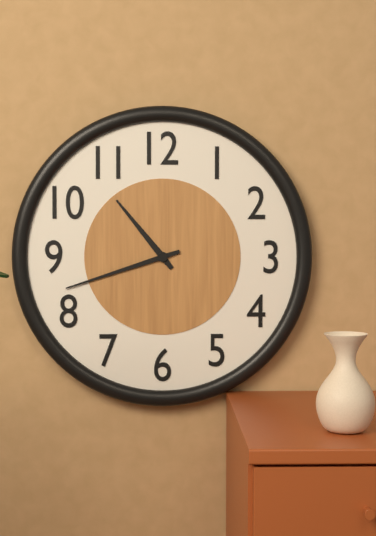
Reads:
h=10 m=42
